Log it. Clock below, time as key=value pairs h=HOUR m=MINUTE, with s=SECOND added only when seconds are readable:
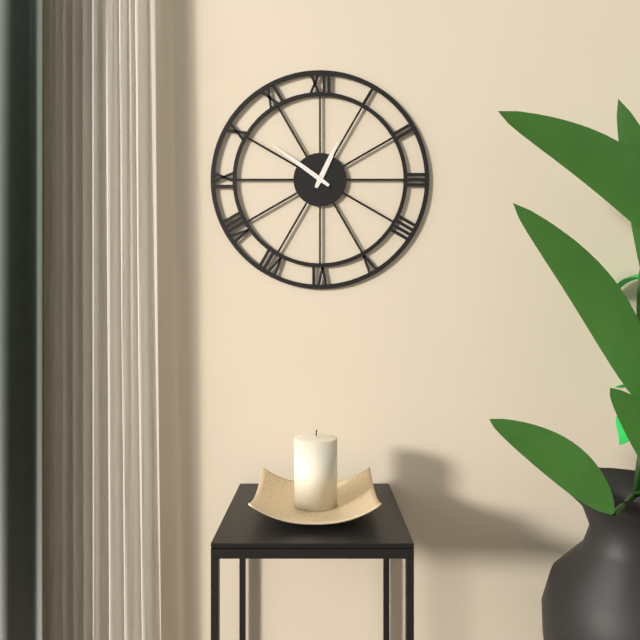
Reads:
h=12 m=51
